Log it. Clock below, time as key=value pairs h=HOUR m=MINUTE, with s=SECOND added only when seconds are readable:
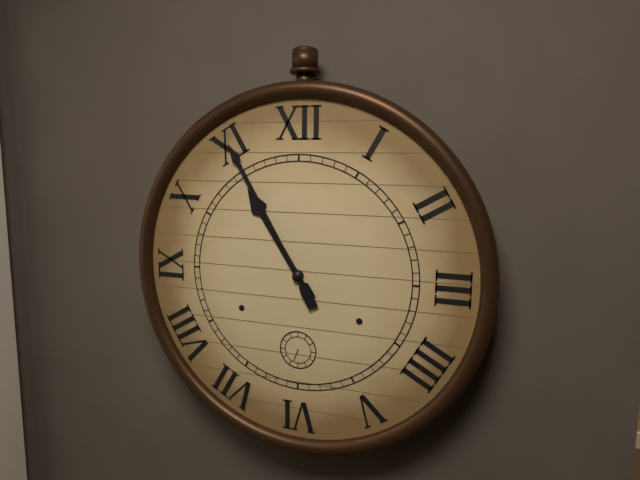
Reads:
h=10 m=55
